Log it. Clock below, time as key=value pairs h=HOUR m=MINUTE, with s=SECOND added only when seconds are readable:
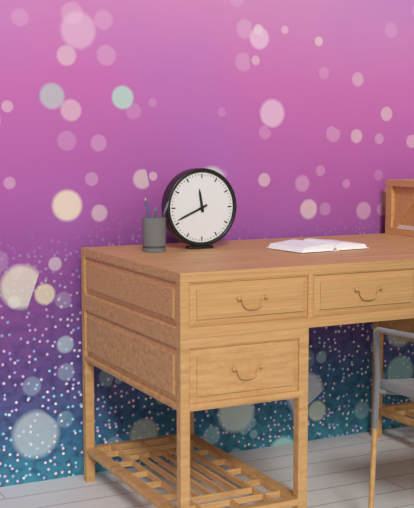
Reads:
h=11 m=41
